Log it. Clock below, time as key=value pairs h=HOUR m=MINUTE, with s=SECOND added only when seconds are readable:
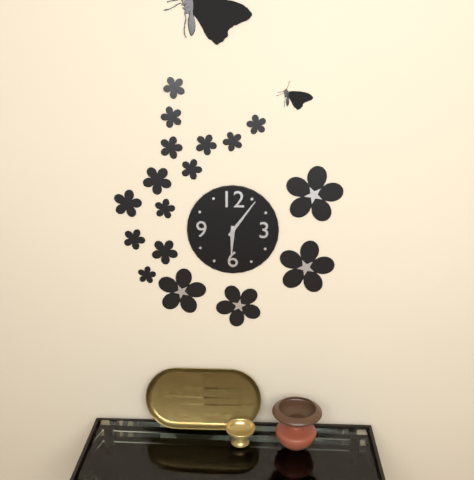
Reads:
h=6 m=6
